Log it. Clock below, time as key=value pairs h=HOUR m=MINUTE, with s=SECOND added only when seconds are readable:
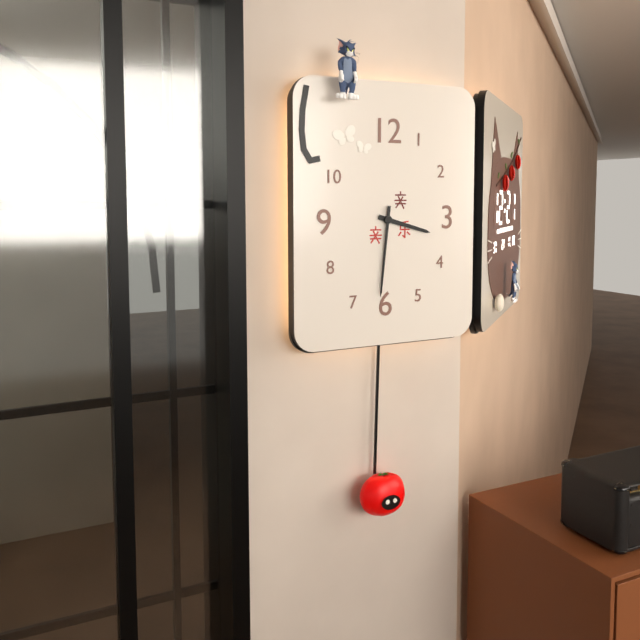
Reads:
h=3 m=31
